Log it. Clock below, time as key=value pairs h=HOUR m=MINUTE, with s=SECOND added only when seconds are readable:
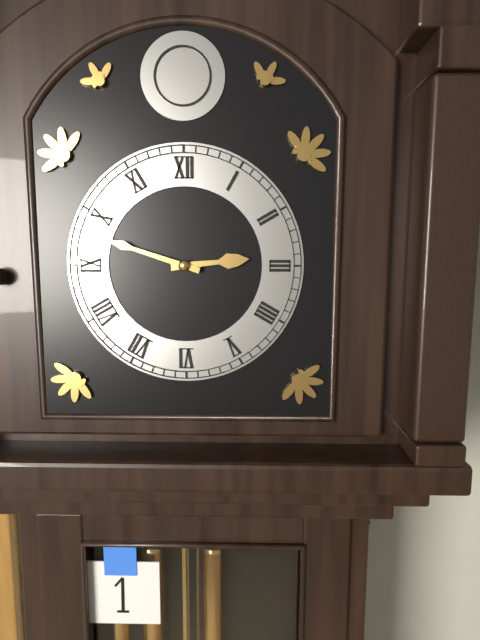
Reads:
h=2 m=48
